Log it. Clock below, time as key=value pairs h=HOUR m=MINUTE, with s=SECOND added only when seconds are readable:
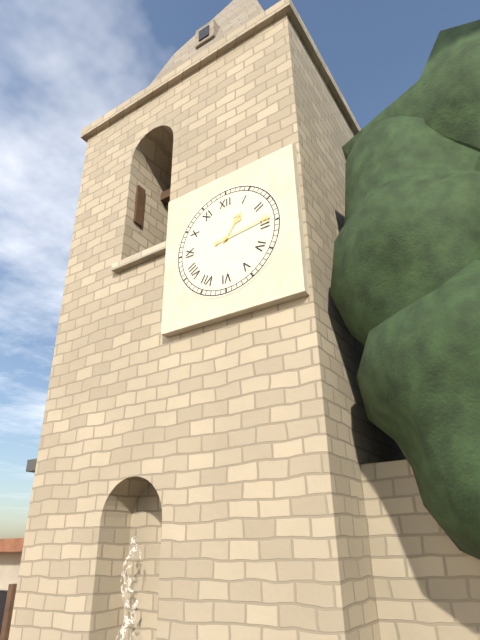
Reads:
h=1 m=14
